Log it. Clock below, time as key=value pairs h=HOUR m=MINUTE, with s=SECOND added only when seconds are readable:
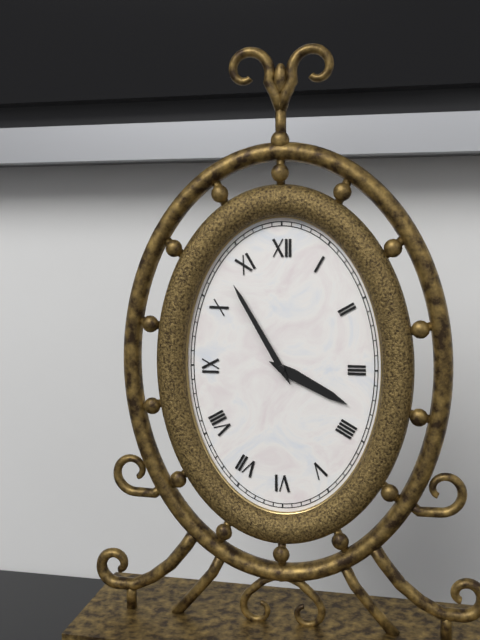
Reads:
h=3 m=55
